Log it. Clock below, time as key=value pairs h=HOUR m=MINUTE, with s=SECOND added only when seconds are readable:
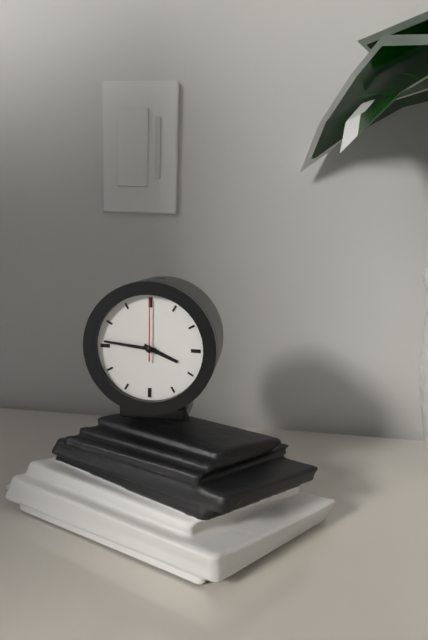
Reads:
h=3 m=46 s=0
